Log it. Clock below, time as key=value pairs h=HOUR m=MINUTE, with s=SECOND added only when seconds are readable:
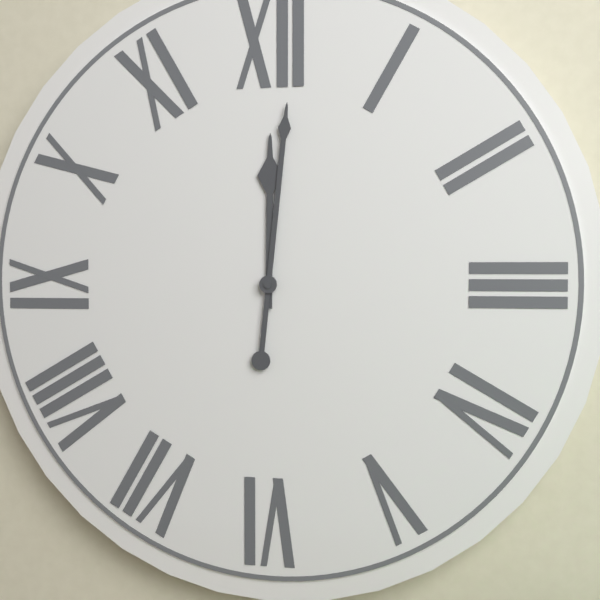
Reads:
h=12 m=1
